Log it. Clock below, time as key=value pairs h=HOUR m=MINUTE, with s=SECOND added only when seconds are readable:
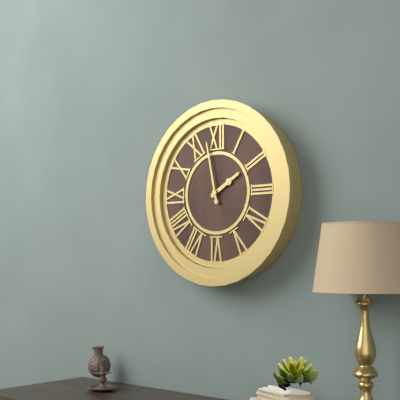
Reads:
h=1 m=58
